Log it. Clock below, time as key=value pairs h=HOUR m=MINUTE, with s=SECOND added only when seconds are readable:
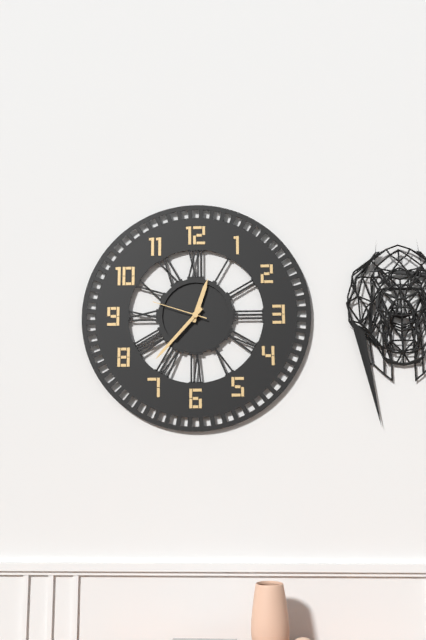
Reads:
h=12 m=37 s=48
